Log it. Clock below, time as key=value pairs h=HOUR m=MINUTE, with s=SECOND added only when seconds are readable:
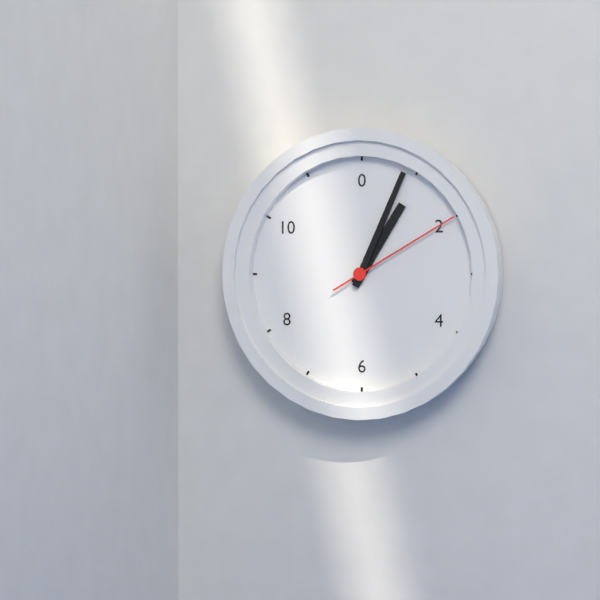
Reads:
h=1 m=4 s=10
